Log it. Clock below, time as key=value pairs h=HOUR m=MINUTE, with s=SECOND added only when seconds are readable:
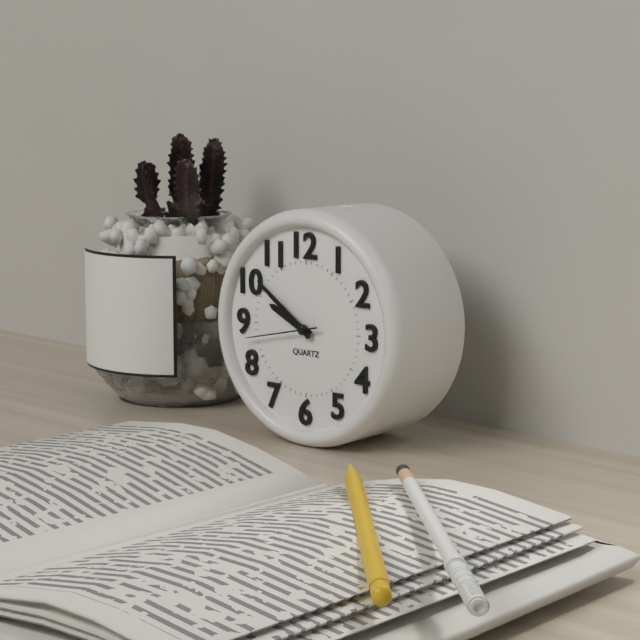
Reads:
h=9 m=51 s=43
